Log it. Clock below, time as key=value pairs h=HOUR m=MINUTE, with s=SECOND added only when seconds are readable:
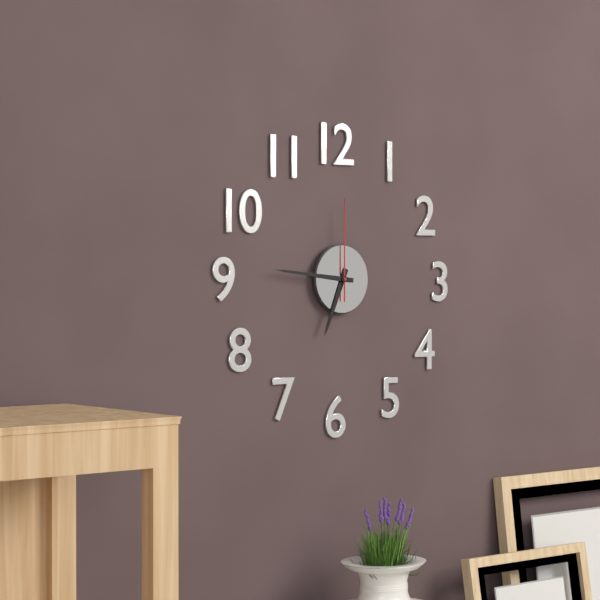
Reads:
h=6 m=46 s=0
